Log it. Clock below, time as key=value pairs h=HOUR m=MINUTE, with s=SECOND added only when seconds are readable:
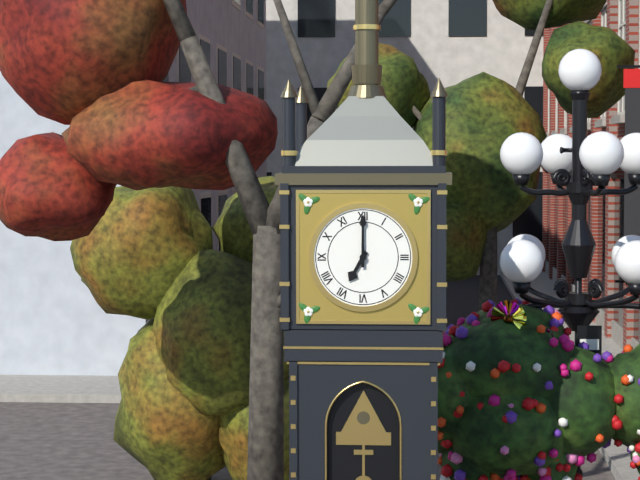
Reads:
h=7 m=0
